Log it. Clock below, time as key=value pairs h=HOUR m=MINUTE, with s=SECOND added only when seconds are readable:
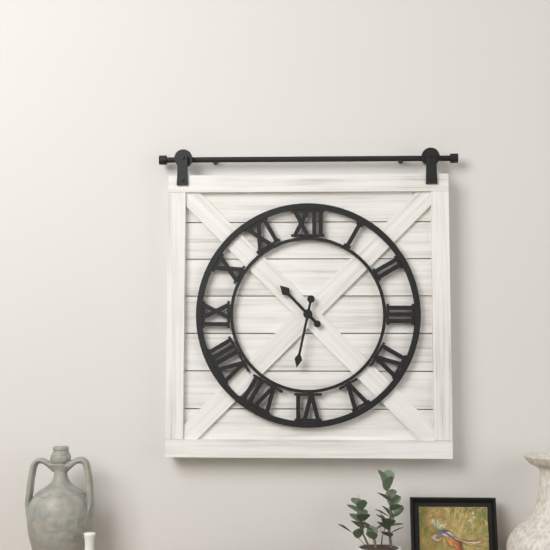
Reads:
h=10 m=32
